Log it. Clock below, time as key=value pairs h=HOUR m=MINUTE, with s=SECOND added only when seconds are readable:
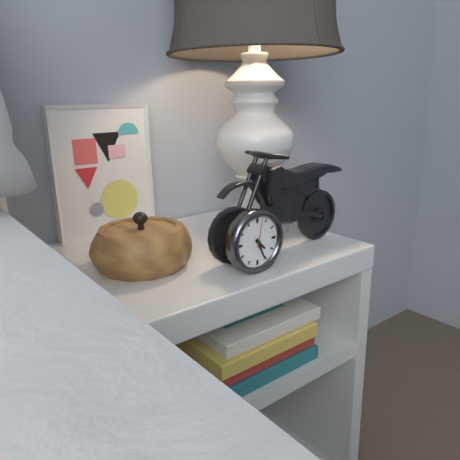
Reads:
h=4 m=26
